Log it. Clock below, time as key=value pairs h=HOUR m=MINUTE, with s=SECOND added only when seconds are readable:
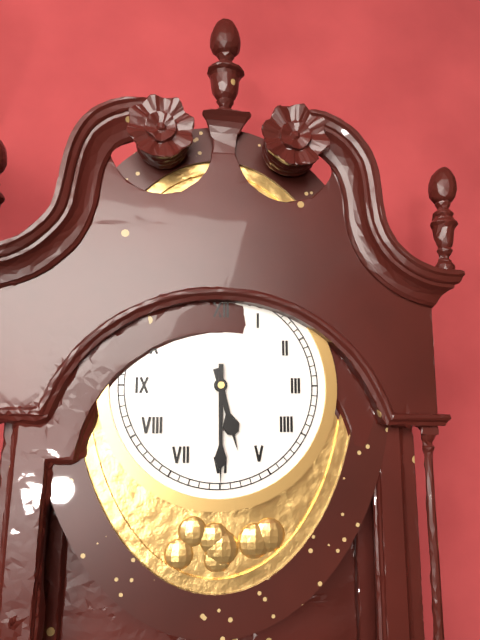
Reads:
h=5 m=30
